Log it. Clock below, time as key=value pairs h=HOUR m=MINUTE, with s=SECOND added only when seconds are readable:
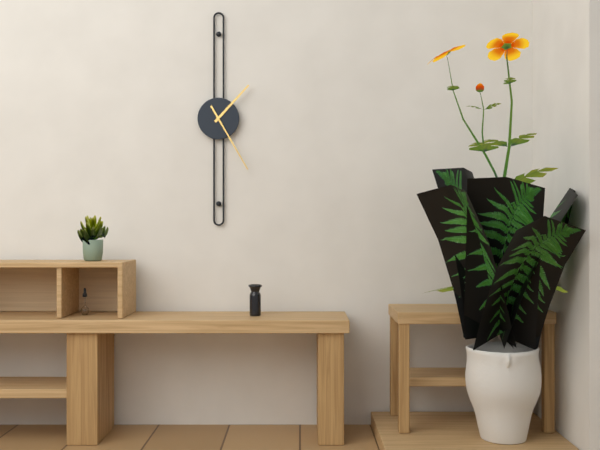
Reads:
h=1 m=25
